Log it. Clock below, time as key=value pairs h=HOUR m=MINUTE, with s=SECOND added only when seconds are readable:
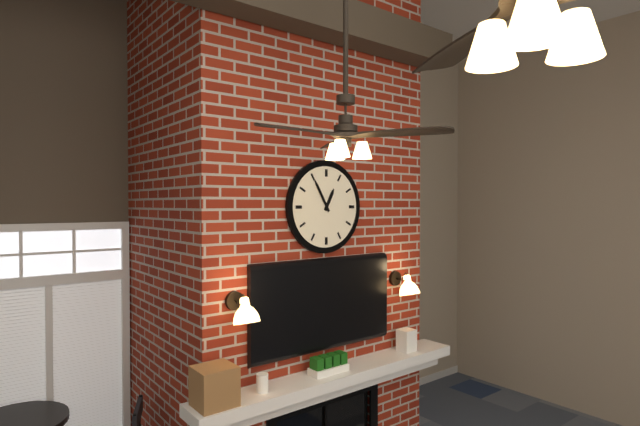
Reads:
h=12 m=55
